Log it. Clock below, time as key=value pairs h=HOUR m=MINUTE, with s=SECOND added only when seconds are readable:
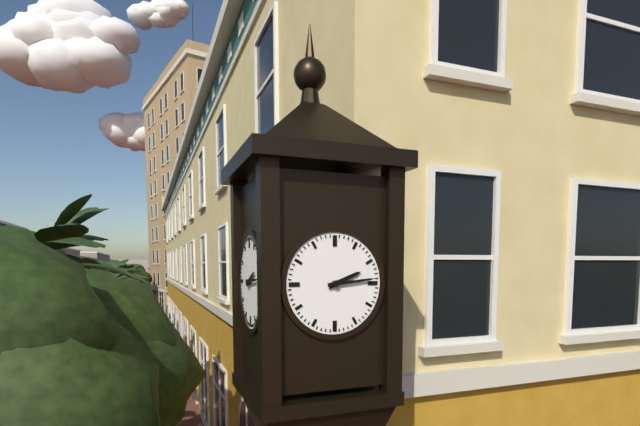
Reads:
h=2 m=14
